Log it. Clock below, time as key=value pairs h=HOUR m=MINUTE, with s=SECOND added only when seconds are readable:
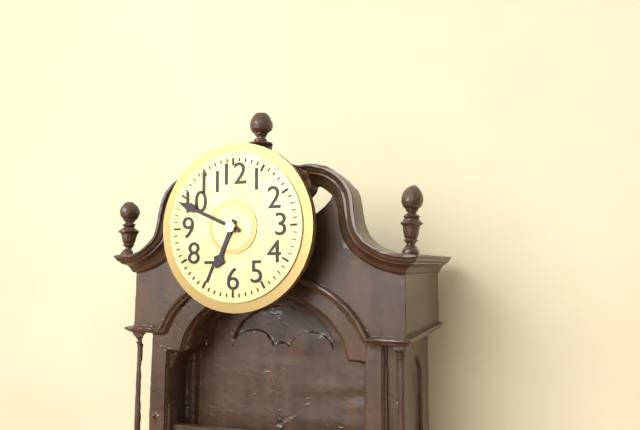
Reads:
h=6 m=49
